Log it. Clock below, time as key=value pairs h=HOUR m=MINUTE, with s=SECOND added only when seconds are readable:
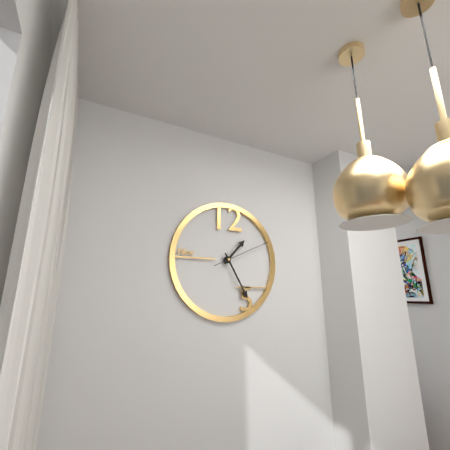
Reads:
h=1 m=25 s=11
